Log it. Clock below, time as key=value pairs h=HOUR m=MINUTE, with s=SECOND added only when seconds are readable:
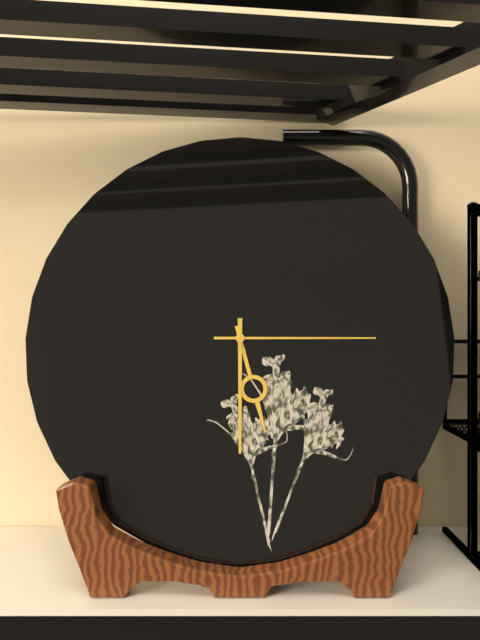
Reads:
h=5 m=30 s=15
